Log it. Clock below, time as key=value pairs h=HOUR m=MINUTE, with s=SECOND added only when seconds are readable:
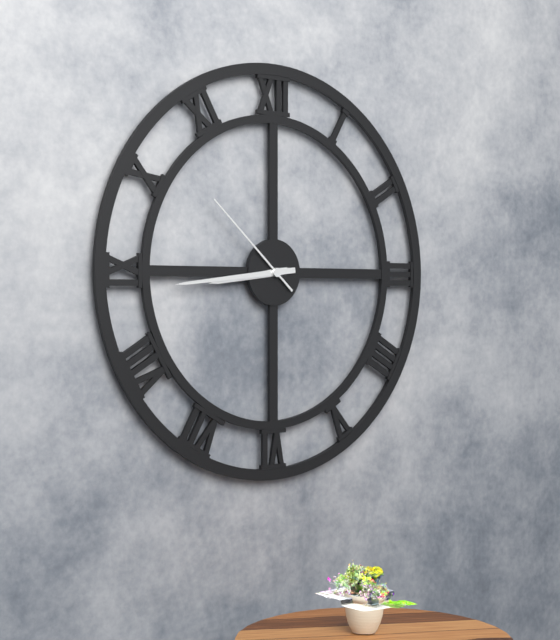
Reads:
h=8 m=44 s=52
